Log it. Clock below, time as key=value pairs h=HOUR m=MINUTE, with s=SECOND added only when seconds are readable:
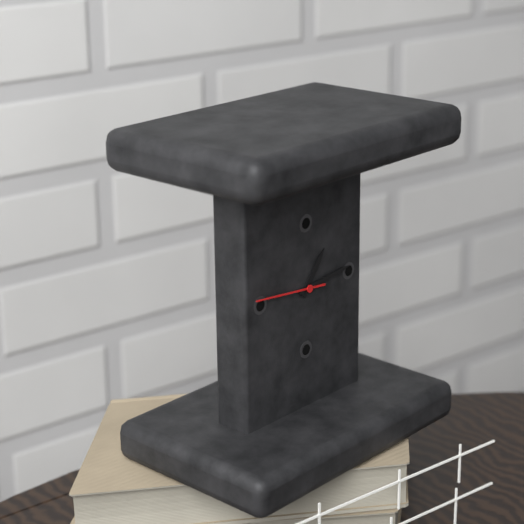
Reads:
h=1 m=14 s=46
